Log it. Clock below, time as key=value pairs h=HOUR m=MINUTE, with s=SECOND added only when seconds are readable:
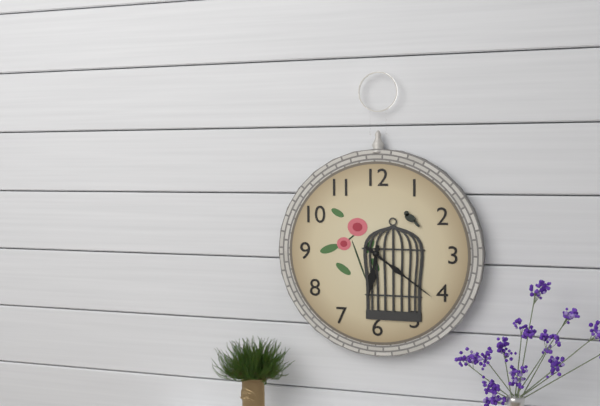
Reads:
h=6 m=21
